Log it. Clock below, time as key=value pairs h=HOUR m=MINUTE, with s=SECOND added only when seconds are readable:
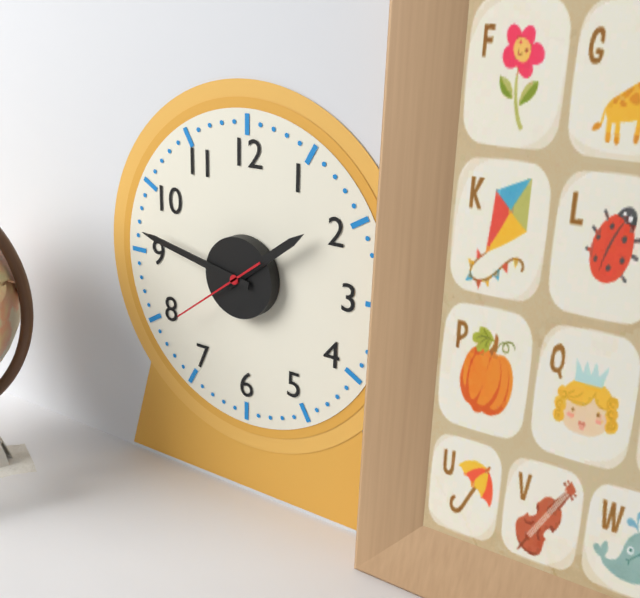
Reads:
h=1 m=47 s=39
